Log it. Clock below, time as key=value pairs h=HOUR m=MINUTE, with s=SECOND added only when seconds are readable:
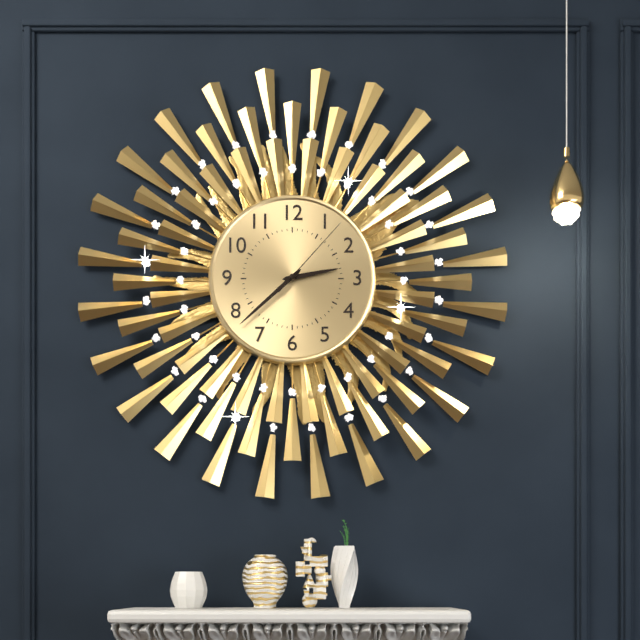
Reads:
h=2 m=38 s=7
